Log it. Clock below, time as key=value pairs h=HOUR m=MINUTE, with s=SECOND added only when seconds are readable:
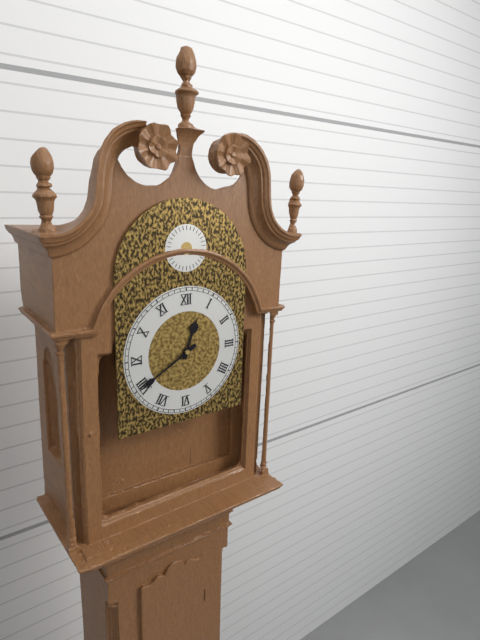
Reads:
h=12 m=40
